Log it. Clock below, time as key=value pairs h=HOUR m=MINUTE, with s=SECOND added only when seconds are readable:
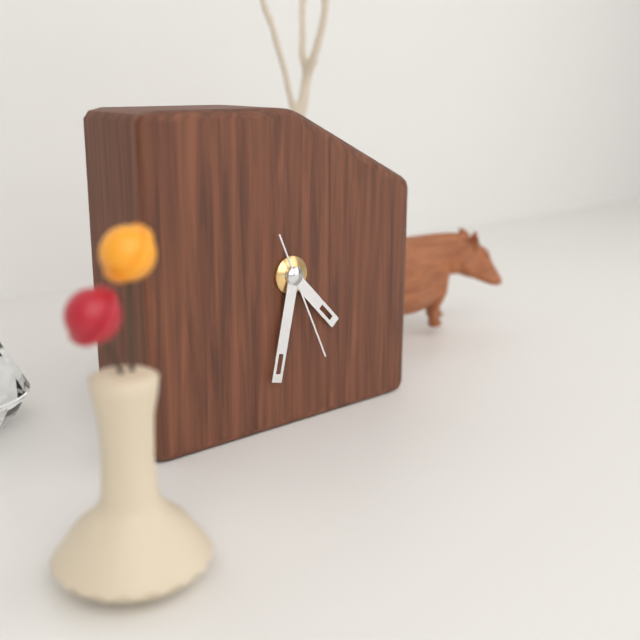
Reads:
h=4 m=32 s=26
